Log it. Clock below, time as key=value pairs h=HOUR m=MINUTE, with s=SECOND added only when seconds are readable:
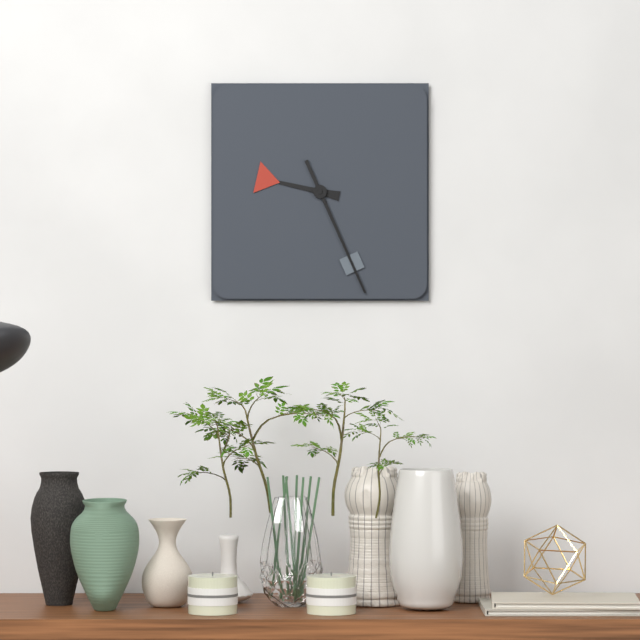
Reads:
h=9 m=26
